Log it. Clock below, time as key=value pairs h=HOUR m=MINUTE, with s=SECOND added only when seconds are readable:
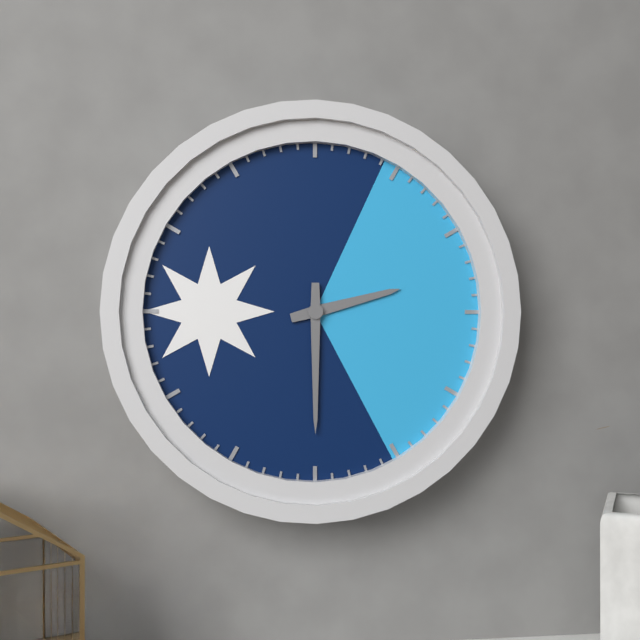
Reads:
h=2 m=30
